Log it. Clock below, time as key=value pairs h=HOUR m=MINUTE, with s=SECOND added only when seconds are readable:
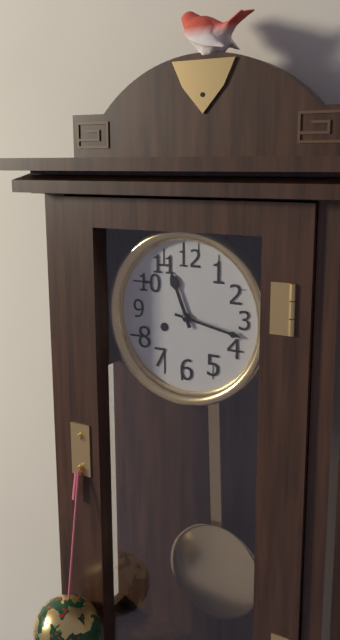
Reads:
h=11 m=17
